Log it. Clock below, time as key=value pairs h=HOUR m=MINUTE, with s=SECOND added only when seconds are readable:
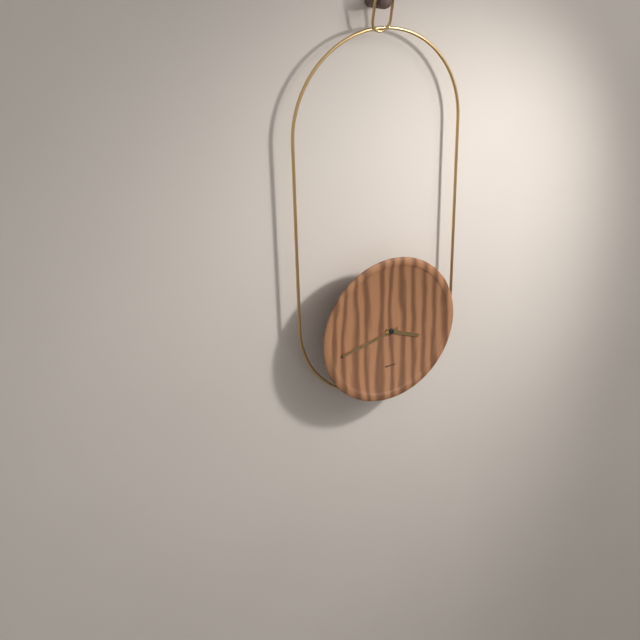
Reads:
h=3 m=43
